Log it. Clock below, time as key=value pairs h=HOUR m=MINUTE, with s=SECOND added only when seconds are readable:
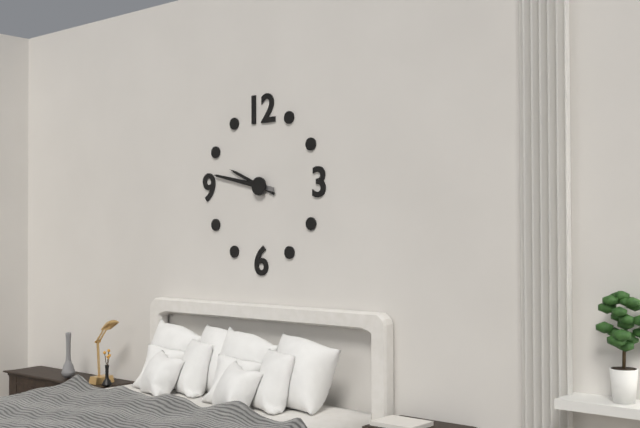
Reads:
h=9 m=47
